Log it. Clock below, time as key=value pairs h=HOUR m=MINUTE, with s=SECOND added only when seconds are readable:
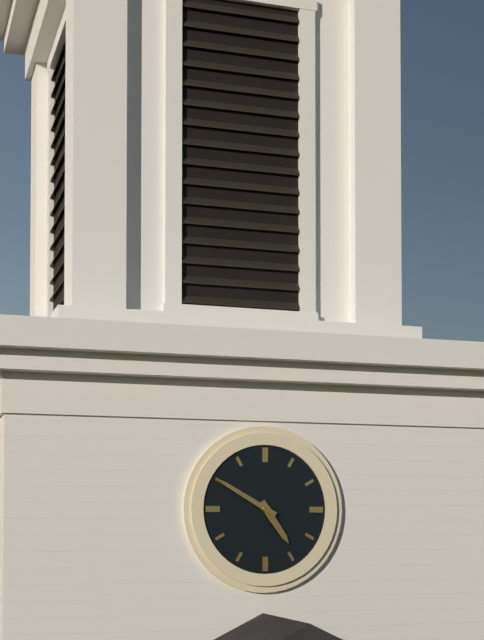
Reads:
h=4 m=50
